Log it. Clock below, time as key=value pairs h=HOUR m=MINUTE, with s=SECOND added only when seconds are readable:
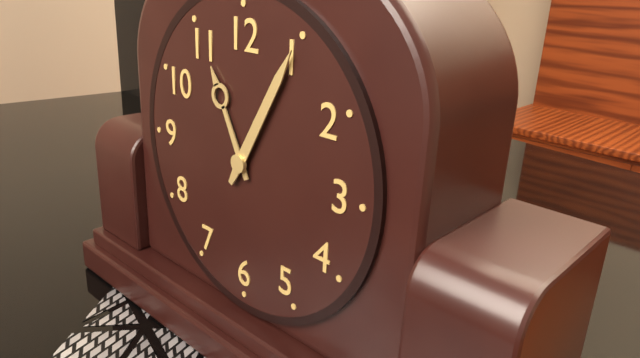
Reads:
h=11 m=5
